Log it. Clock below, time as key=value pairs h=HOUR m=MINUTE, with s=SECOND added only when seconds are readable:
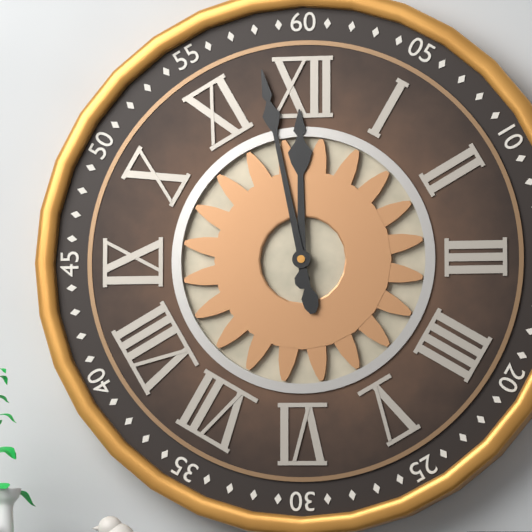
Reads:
h=11 m=58
